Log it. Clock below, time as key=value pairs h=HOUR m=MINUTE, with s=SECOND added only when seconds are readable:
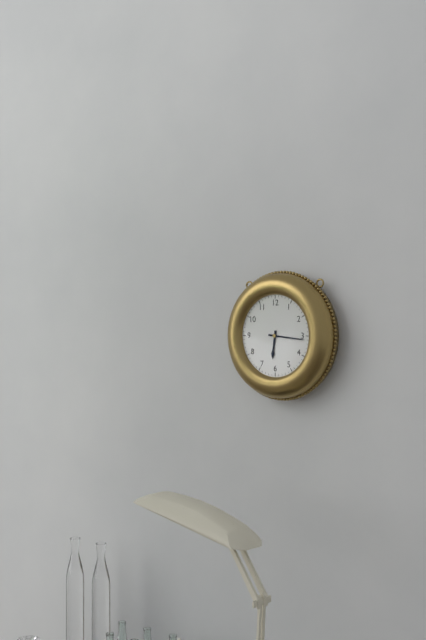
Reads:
h=6 m=16
